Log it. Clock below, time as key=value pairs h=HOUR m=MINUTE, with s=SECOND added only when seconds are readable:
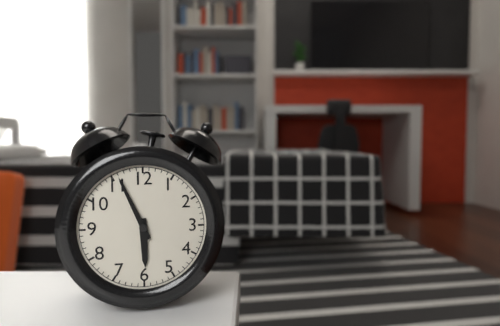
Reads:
h=5 m=56
